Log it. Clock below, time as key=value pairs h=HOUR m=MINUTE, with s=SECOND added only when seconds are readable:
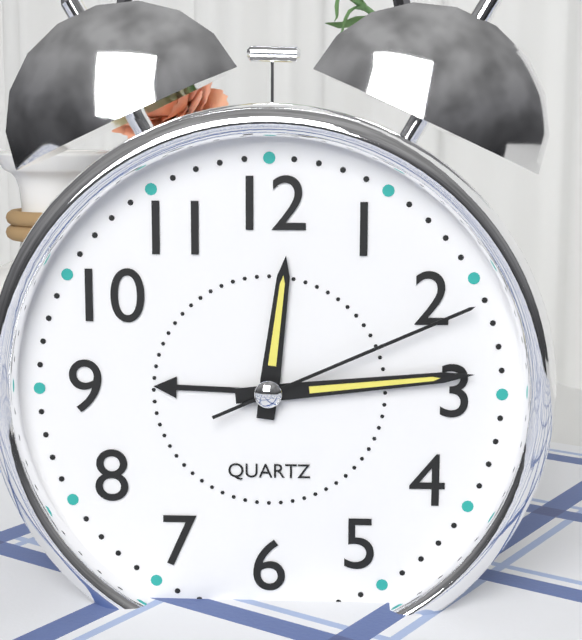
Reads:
h=12 m=14 s=11
